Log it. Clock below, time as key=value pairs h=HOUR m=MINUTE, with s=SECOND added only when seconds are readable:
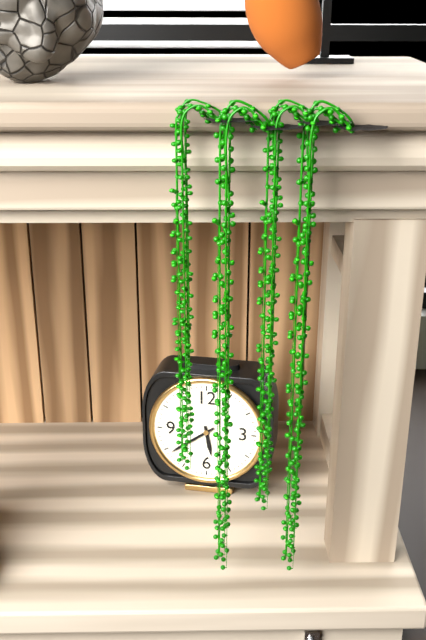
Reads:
h=5 m=39
